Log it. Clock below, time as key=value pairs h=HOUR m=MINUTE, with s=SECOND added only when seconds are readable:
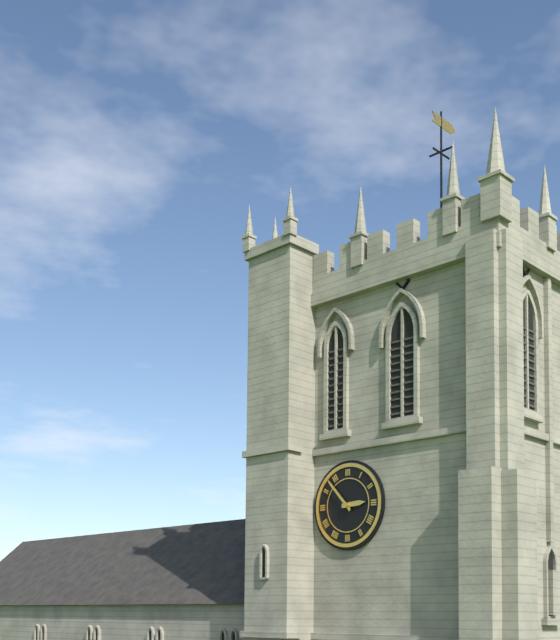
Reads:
h=2 m=53
